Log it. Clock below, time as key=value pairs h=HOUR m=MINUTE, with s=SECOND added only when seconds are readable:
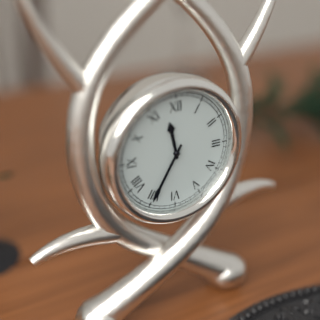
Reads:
h=11 m=35
